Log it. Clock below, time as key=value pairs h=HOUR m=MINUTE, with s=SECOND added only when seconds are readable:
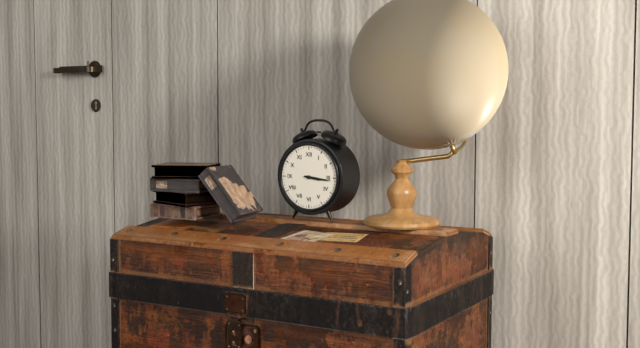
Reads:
h=3 m=16
